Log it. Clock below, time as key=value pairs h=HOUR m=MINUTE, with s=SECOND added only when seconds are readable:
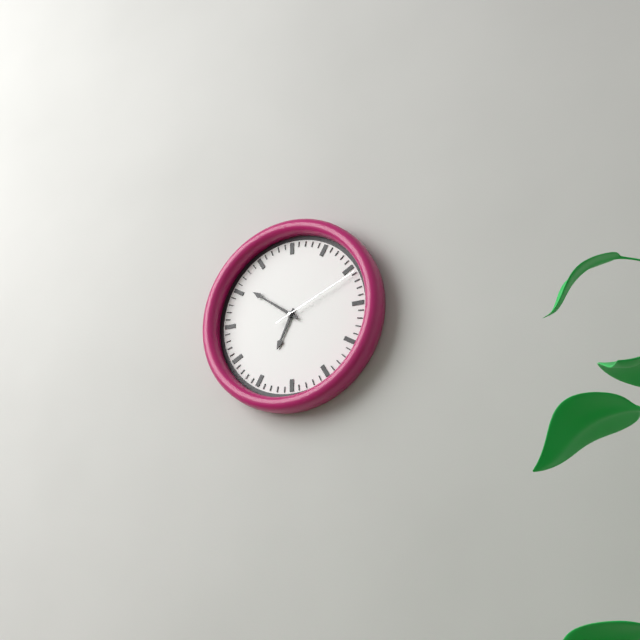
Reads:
h=6 m=51 s=11
